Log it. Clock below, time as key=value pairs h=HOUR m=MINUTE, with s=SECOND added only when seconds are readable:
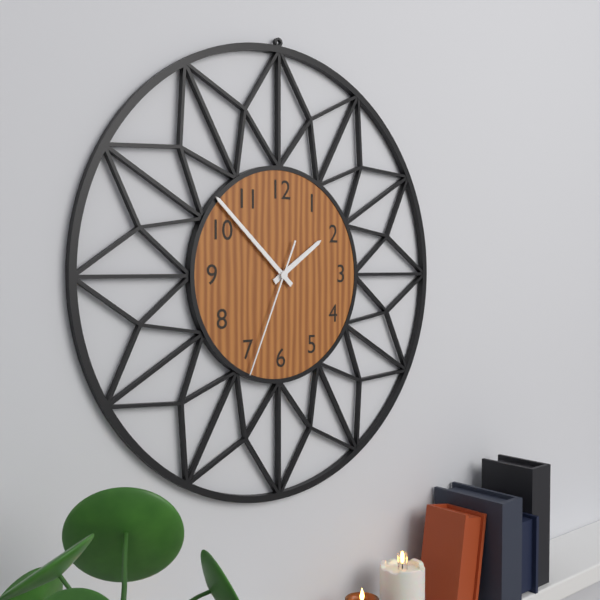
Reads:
h=1 m=52 s=34
